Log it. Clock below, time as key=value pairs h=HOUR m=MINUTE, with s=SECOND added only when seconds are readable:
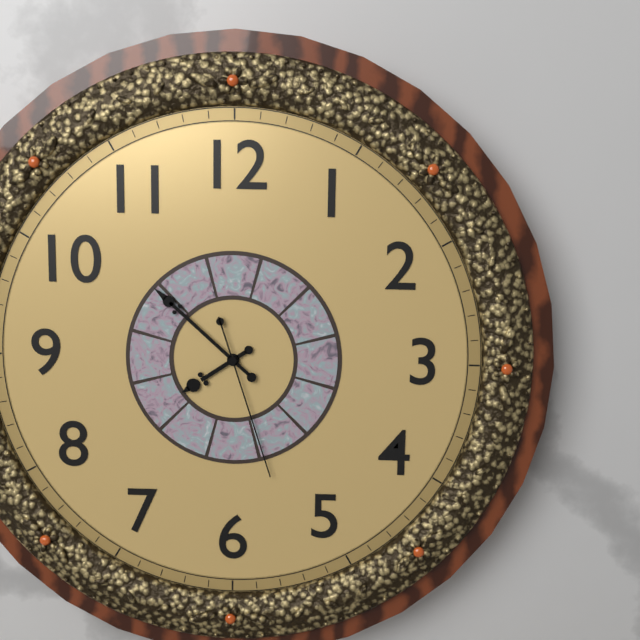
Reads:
h=7 m=52 s=27
